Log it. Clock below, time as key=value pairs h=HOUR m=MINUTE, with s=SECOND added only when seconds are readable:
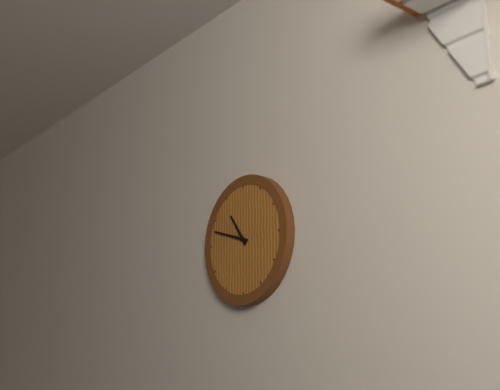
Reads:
h=10 m=48
